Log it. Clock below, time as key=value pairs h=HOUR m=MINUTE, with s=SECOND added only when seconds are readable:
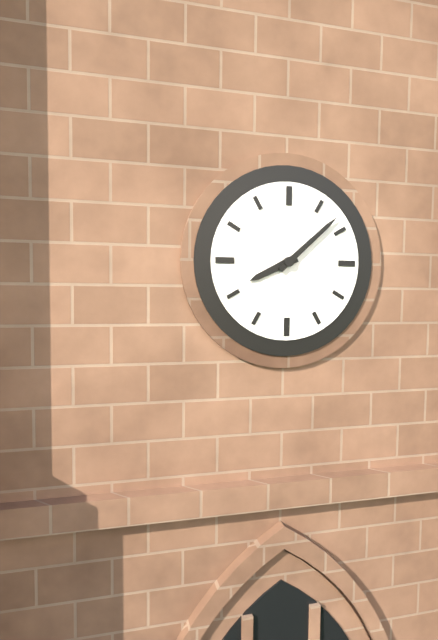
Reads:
h=8 m=8
